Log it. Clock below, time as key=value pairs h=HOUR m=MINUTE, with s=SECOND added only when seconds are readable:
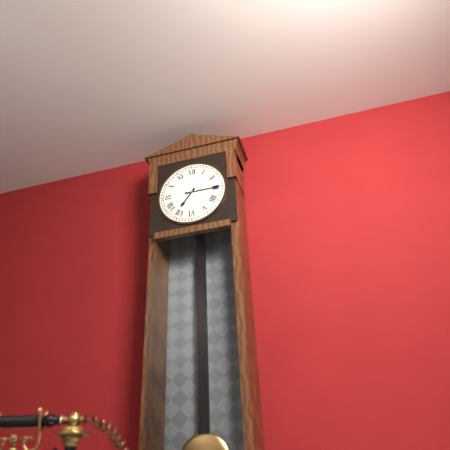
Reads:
h=7 m=15
